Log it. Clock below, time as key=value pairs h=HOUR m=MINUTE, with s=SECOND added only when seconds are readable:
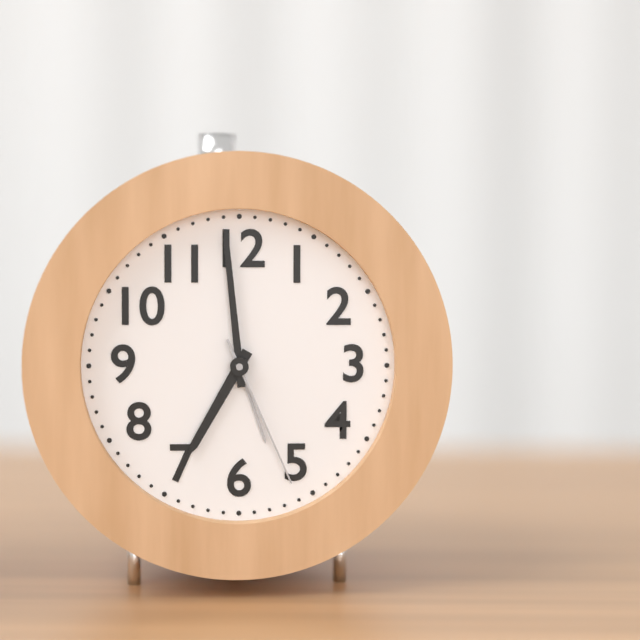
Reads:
h=6 m=59 s=26
